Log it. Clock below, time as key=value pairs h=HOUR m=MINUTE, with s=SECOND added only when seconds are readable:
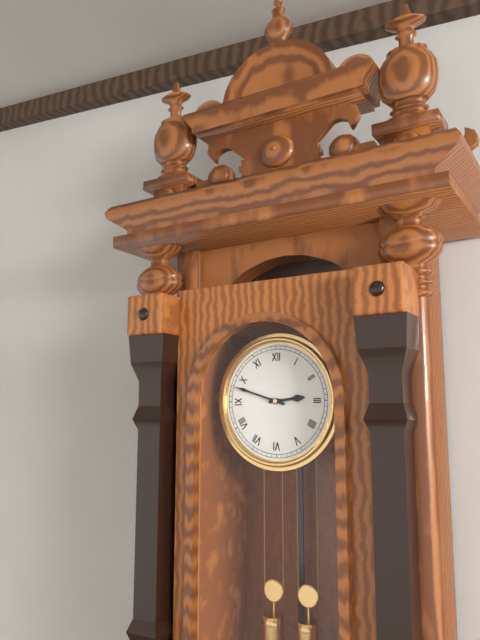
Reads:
h=2 m=48
